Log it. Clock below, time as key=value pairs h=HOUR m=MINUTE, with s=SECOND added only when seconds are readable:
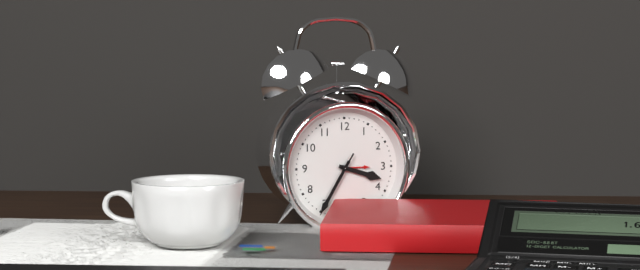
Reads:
h=3 m=35 s=35
